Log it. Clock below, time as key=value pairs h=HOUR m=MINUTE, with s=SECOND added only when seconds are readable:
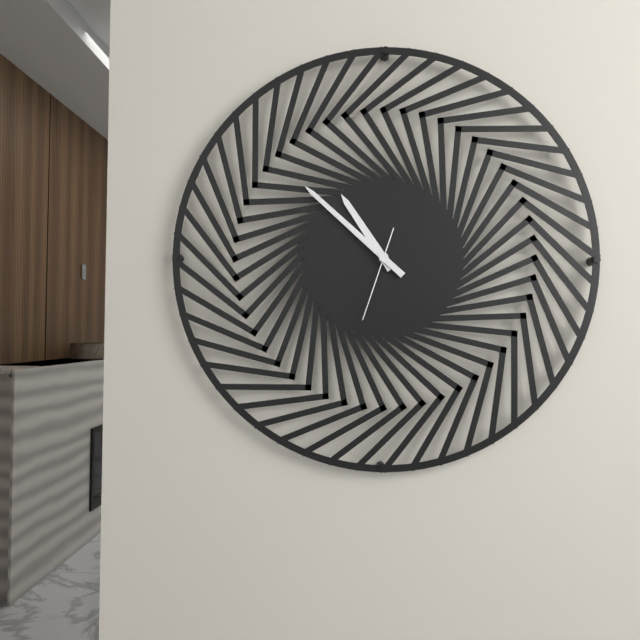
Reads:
h=10 m=52 s=33
